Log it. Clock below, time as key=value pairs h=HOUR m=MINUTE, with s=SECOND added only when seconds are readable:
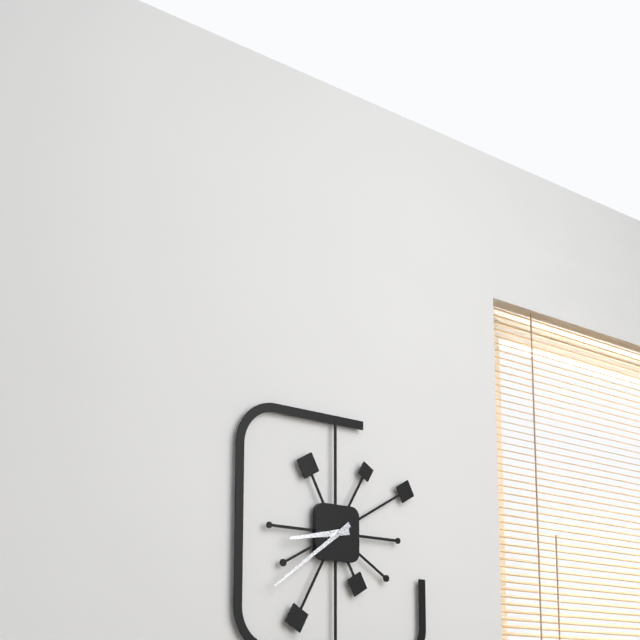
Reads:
h=8 m=39
